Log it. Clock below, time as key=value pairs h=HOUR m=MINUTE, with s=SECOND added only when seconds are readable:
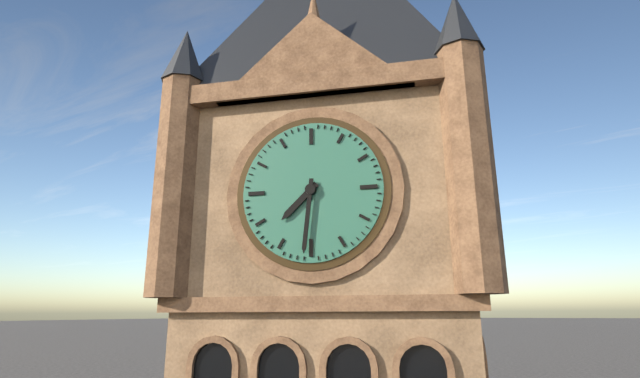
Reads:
h=7 m=31
